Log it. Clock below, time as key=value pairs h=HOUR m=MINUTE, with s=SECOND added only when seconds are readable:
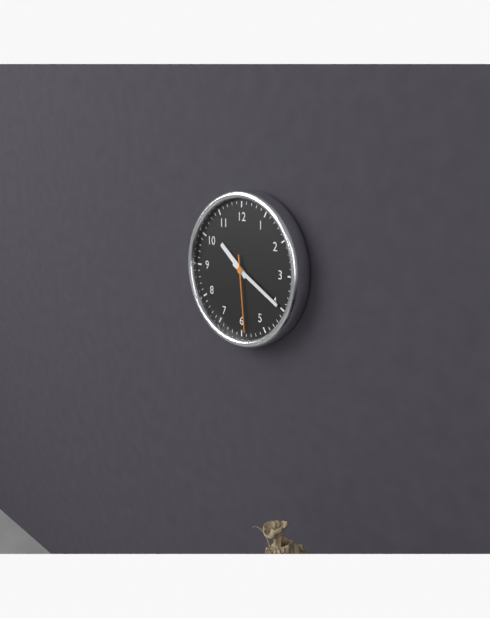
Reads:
h=10 m=20 s=29
